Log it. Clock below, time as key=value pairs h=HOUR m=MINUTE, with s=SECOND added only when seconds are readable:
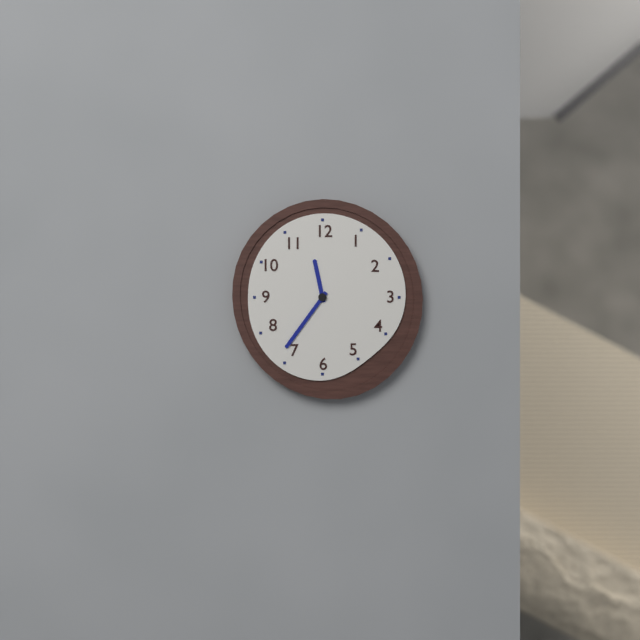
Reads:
h=11 m=36
